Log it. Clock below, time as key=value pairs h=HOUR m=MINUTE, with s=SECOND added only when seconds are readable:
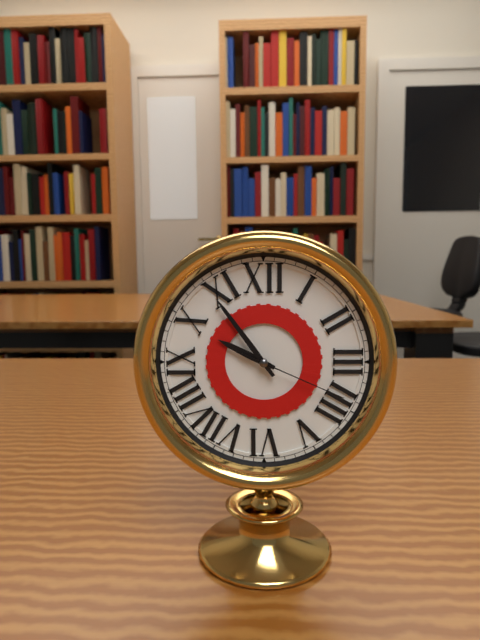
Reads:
h=9 m=54 s=19
